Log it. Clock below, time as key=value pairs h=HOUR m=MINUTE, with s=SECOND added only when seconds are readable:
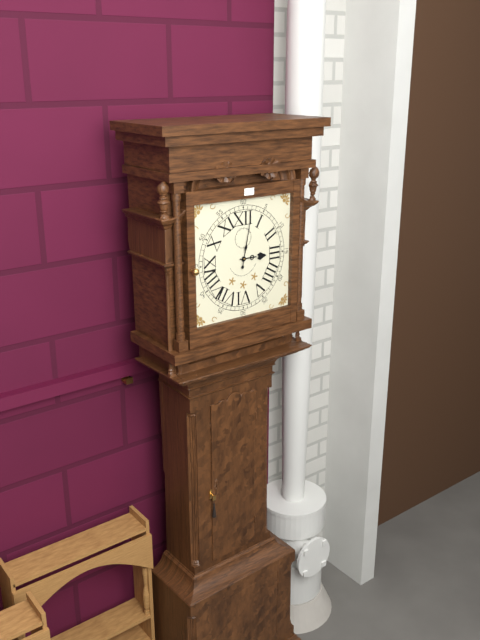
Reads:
h=3 m=2
